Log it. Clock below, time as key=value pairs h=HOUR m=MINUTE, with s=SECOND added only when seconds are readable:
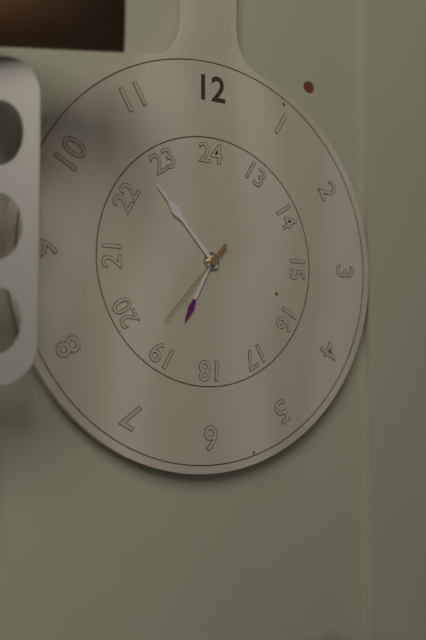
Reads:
h=6 m=53 s=37
